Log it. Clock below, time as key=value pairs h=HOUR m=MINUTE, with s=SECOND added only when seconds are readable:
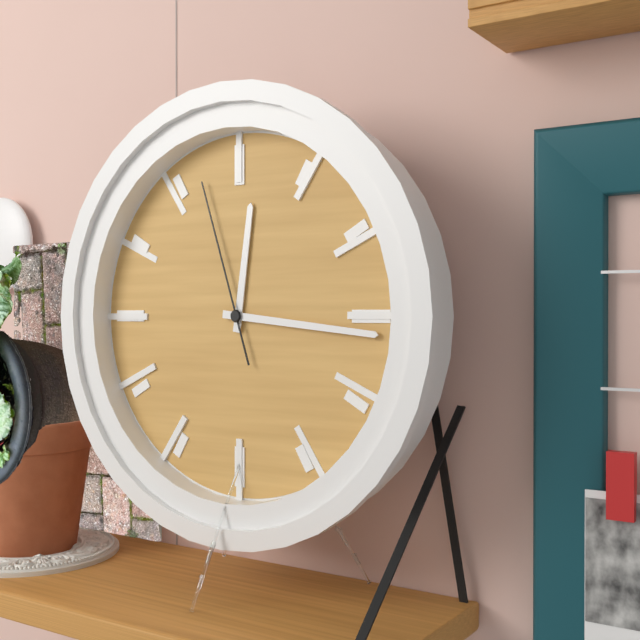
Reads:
h=12 m=16 s=57
